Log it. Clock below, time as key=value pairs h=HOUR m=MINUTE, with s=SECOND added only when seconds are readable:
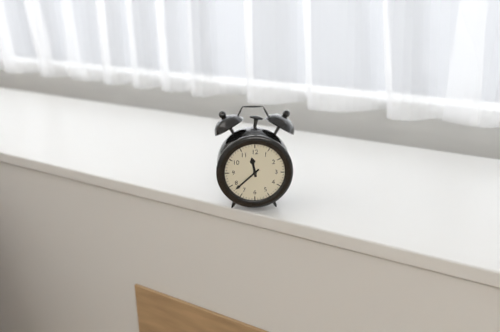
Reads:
h=11 m=38
